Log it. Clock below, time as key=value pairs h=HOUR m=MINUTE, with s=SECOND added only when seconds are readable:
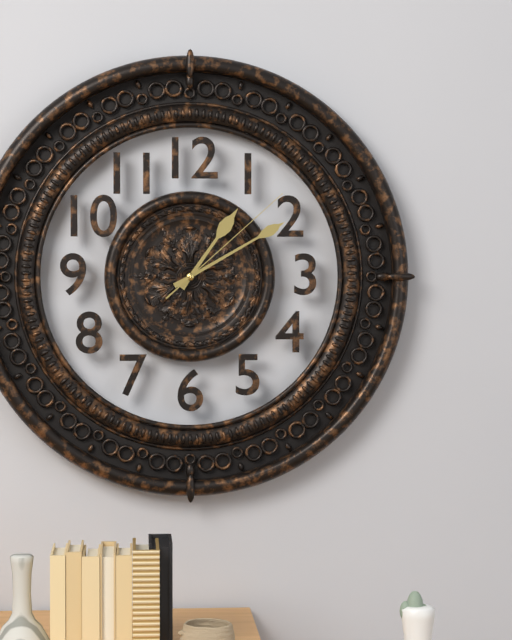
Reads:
h=1 m=10 s=8
